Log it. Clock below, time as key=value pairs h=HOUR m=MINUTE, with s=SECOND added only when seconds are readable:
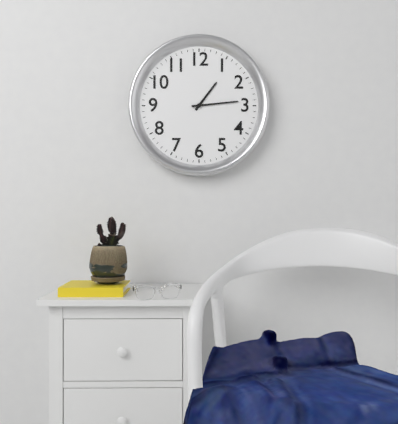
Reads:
h=1 m=14
